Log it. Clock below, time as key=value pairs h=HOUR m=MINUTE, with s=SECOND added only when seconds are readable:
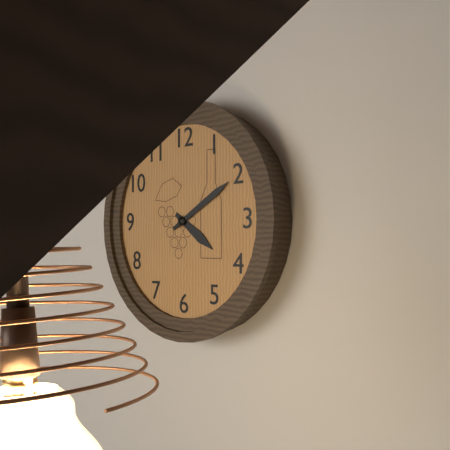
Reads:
h=4 m=10
